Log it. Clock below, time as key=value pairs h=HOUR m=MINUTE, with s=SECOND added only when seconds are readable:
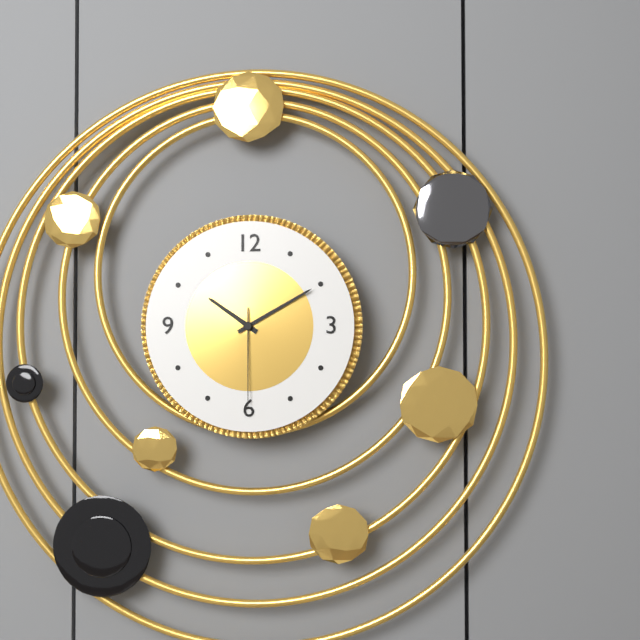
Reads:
h=10 m=10 s=30
